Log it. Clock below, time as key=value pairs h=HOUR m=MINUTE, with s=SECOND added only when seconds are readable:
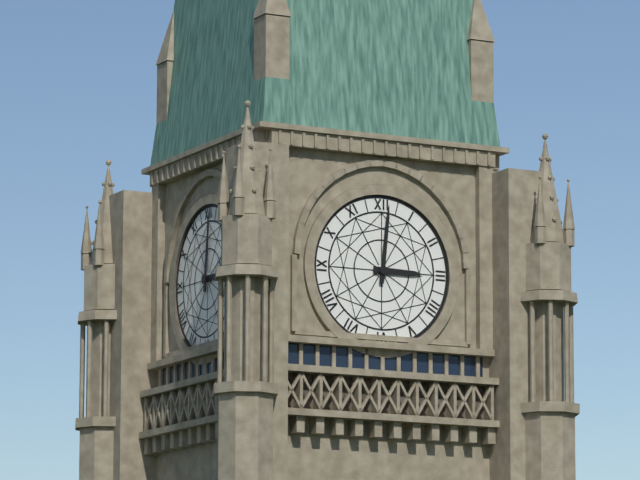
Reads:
h=3 m=1
